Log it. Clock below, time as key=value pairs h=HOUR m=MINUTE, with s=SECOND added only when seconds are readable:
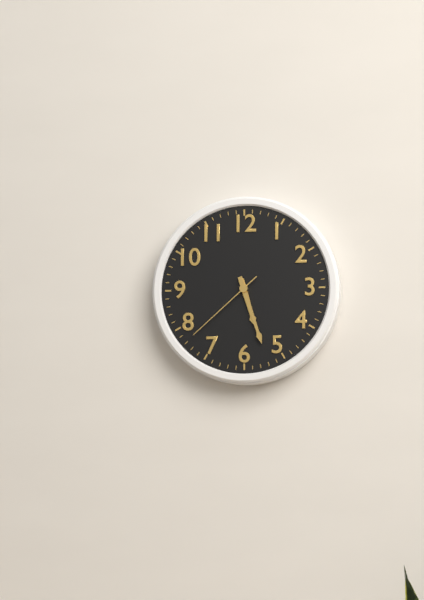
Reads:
h=5 m=27 s=38
